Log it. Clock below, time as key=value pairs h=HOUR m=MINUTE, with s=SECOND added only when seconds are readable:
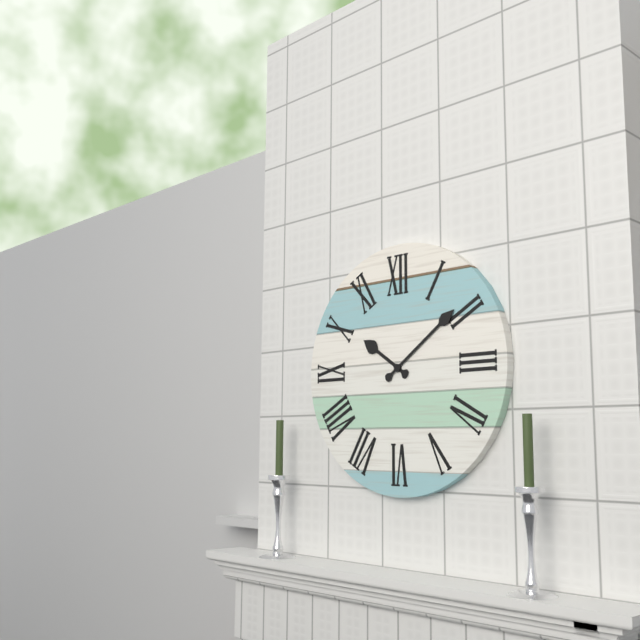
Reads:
h=10 m=9
